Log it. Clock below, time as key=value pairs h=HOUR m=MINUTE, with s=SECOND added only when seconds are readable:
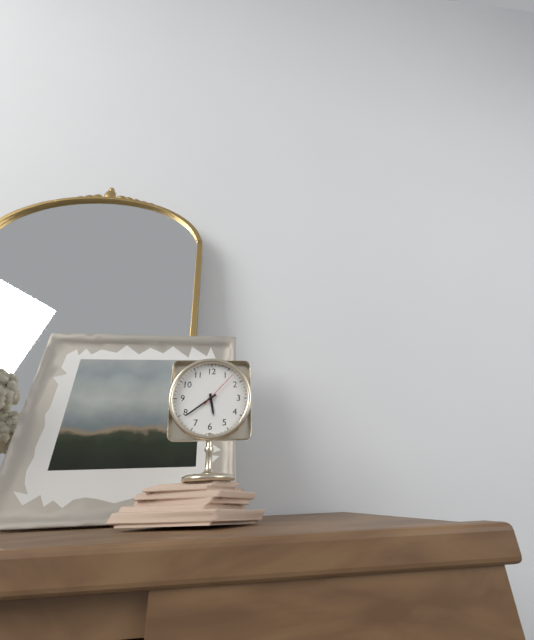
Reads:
h=5 m=39
